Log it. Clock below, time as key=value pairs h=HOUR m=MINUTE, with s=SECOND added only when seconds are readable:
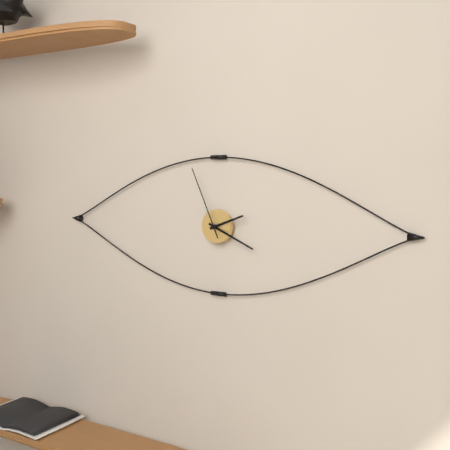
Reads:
h=2 m=19 s=56
